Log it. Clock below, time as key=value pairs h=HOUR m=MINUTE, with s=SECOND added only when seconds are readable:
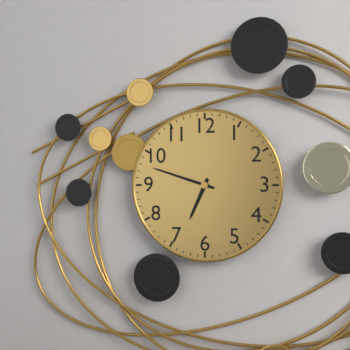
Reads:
h=6 m=48
